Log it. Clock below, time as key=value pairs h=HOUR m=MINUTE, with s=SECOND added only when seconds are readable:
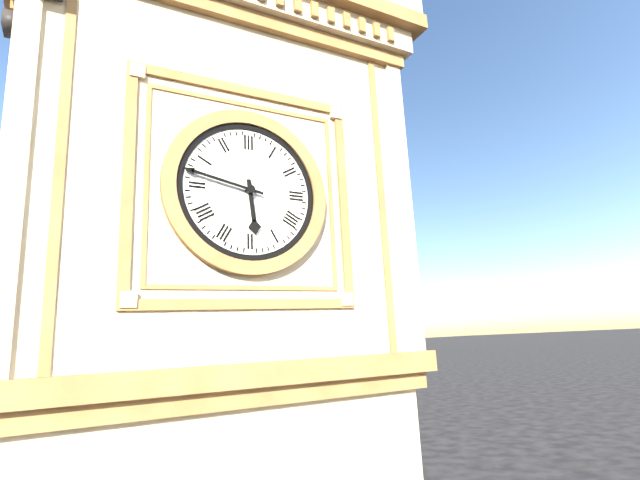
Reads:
h=5 m=47
